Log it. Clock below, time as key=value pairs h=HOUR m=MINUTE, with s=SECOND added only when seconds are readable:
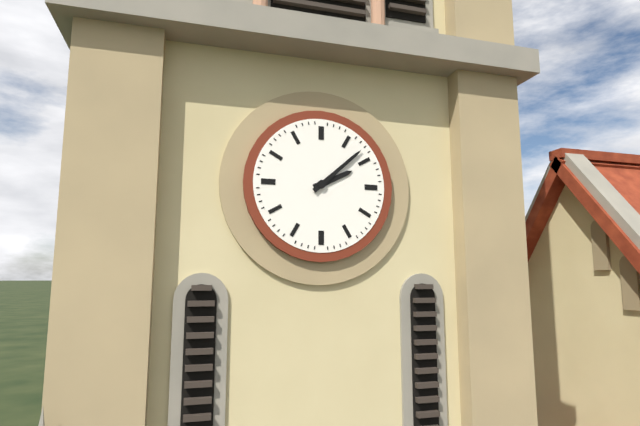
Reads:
h=2 m=8
